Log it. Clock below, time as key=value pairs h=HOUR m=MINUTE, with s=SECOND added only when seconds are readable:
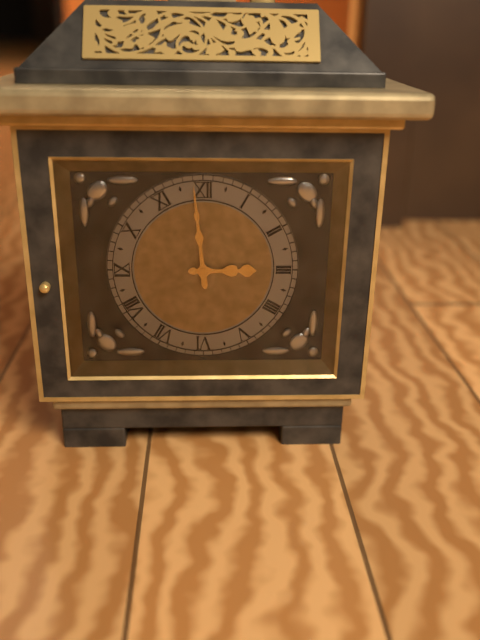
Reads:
h=2 m=59
